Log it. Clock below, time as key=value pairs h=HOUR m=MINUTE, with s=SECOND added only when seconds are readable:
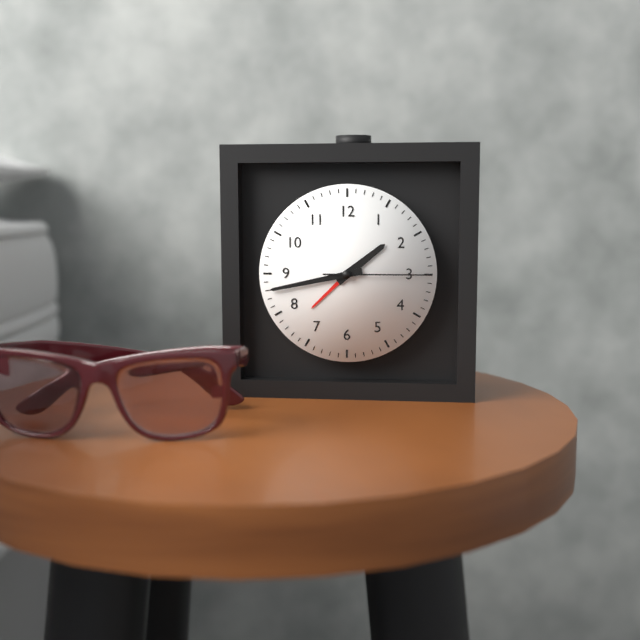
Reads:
h=1 m=43 s=15
